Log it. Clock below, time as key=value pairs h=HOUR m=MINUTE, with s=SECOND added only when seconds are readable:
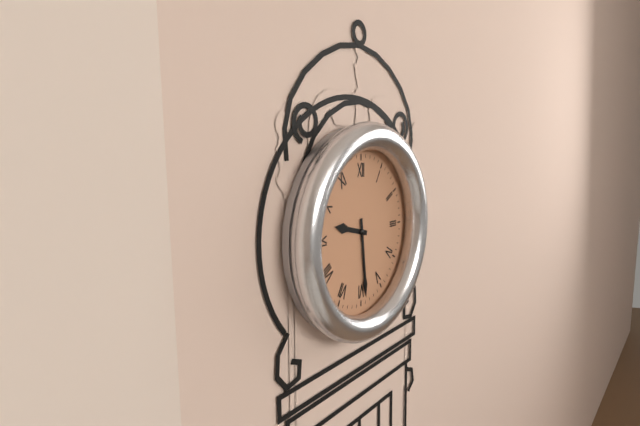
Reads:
h=9 m=29
